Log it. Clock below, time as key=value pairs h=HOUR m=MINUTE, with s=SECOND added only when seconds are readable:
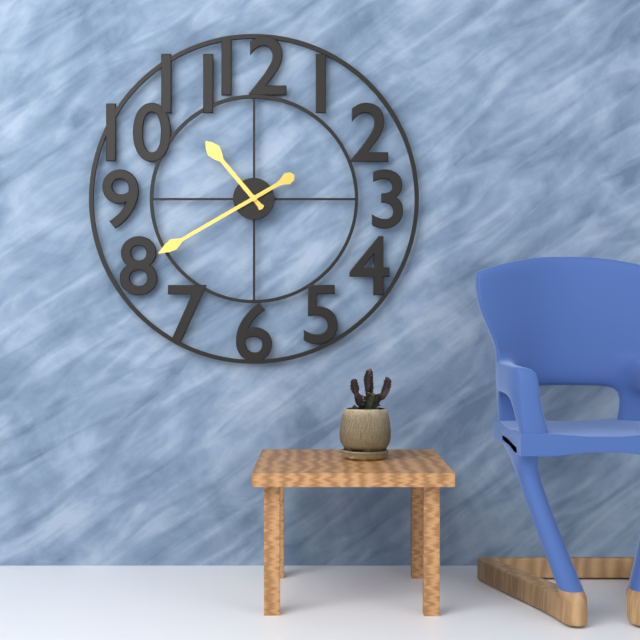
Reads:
h=10 m=40
